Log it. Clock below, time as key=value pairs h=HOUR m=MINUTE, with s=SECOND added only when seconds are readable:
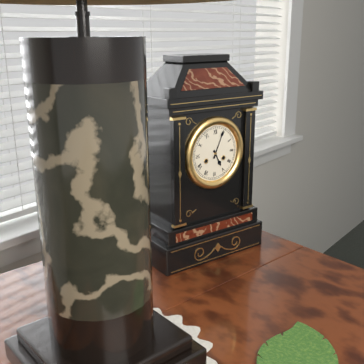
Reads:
h=5 m=4
